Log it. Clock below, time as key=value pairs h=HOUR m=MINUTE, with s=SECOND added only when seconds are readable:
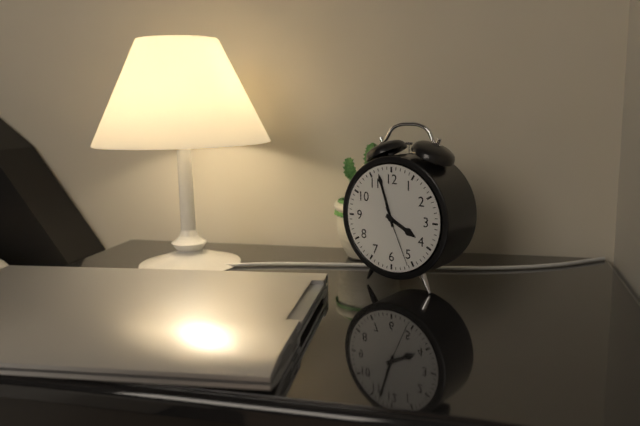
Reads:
h=3 m=57 s=26
